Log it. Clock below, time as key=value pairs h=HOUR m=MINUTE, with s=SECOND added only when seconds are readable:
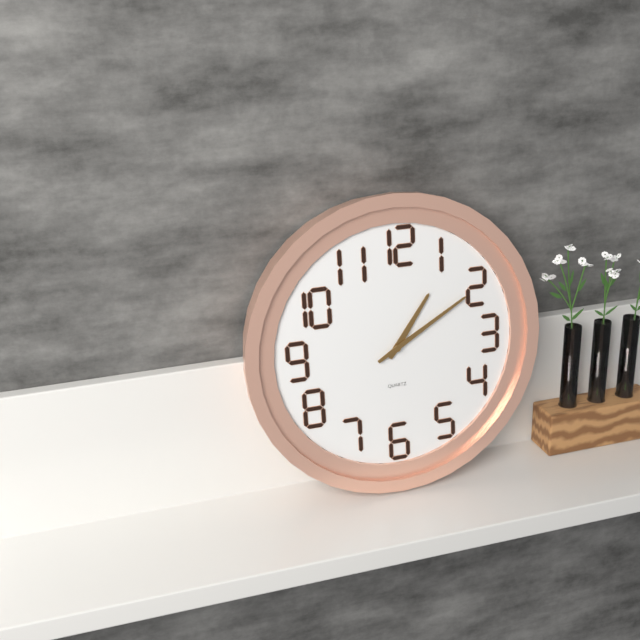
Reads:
h=1 m=10
